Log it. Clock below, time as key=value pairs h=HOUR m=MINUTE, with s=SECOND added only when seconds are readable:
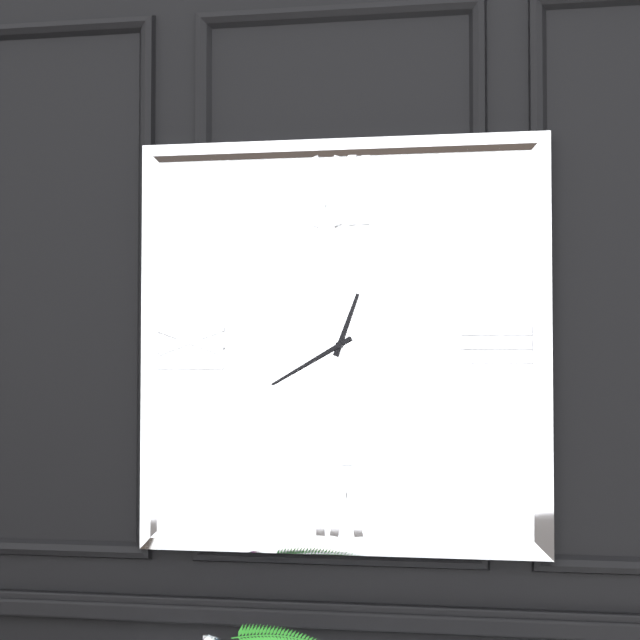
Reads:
h=12 m=40
